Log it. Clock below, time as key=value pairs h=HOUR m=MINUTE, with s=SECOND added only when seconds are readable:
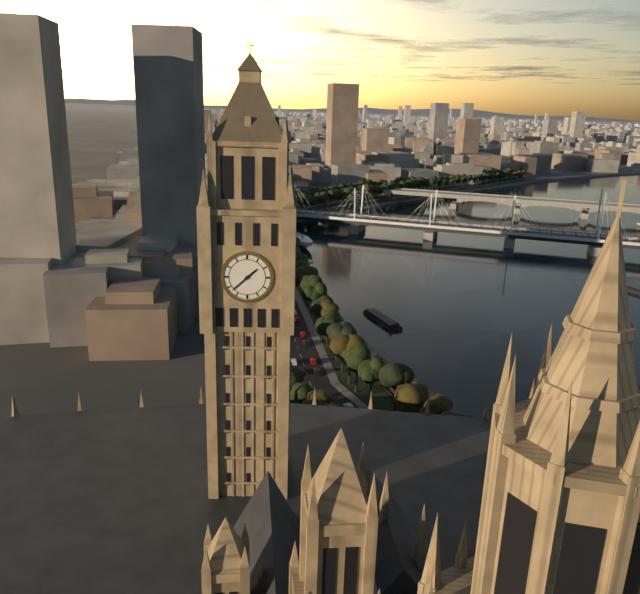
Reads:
h=1 m=38
